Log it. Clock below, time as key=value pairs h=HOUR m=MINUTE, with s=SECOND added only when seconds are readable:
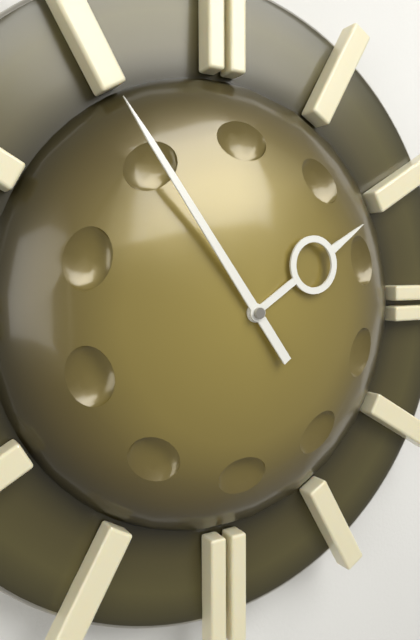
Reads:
h=1 m=54
